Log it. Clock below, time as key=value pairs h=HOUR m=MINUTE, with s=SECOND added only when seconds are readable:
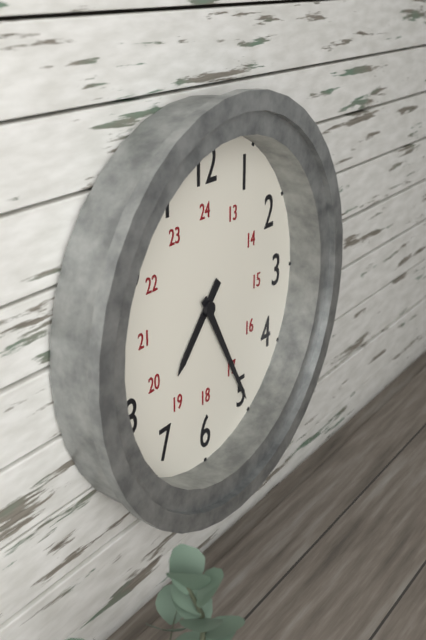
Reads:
h=7 m=25
